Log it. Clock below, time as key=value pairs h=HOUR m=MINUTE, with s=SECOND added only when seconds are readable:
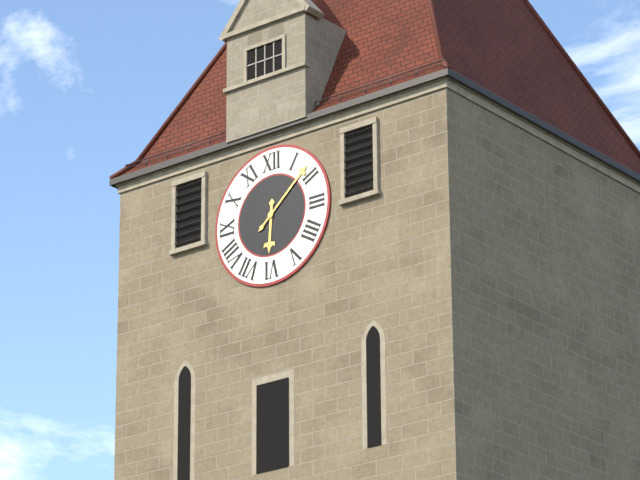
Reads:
h=6 m=8
